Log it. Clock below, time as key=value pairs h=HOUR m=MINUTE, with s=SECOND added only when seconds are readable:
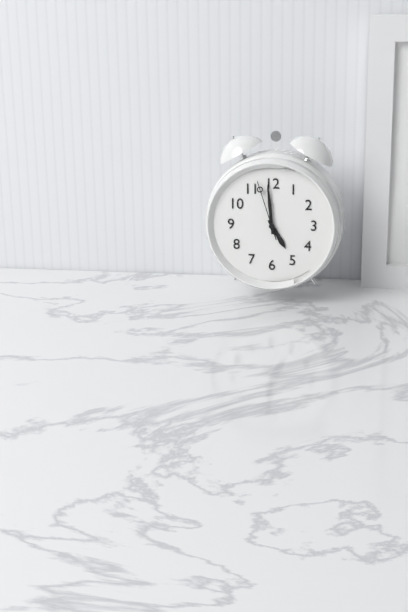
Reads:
h=4 m=59 s=57
